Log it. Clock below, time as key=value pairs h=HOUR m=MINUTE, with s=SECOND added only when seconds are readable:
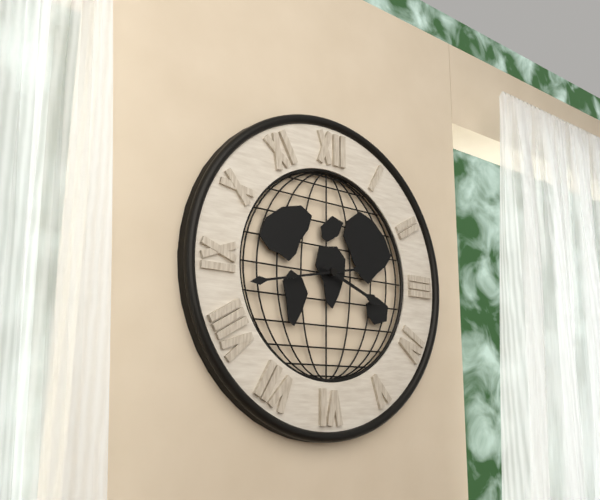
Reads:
h=3 m=43
